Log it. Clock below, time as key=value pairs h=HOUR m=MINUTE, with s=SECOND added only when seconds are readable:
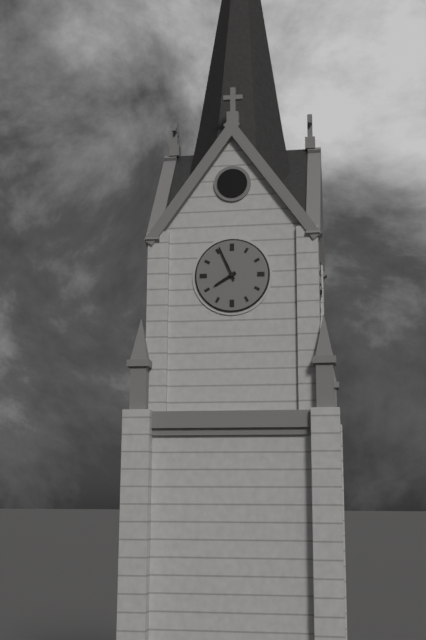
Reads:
h=7 m=56
